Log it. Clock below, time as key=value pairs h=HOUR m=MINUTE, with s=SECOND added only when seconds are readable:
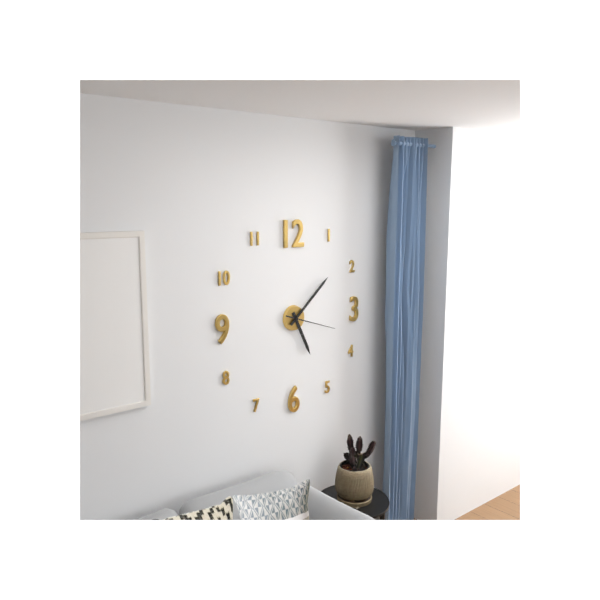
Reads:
h=5 m=8 s=18
